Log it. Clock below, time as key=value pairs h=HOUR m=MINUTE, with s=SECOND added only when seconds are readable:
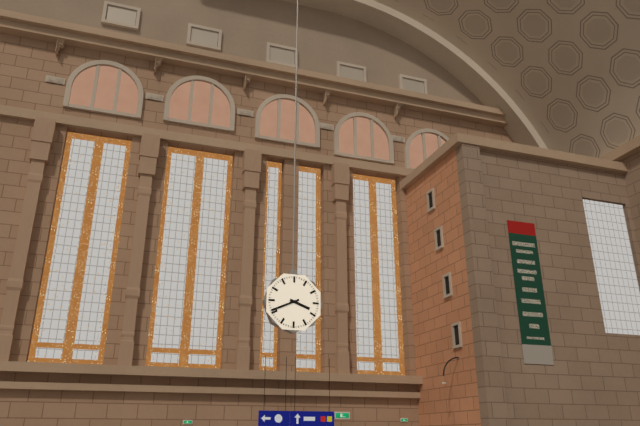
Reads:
h=3 m=41
